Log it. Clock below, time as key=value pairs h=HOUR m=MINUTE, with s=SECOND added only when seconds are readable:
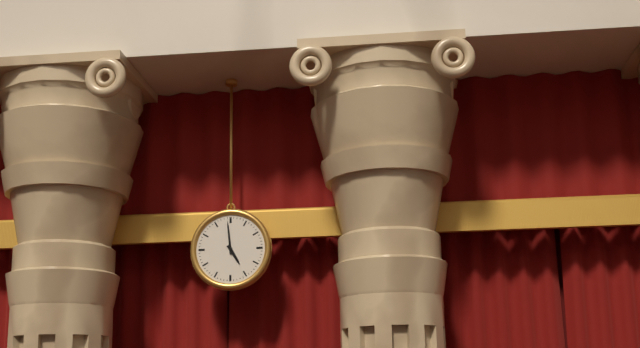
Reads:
h=4 m=59
